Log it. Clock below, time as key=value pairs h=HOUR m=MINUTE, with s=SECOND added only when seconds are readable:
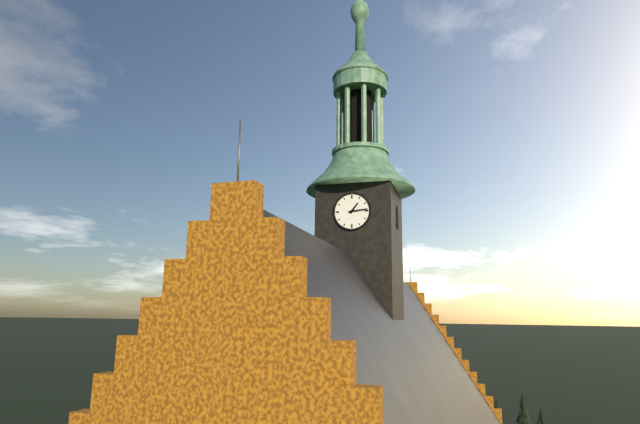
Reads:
h=1 m=14
